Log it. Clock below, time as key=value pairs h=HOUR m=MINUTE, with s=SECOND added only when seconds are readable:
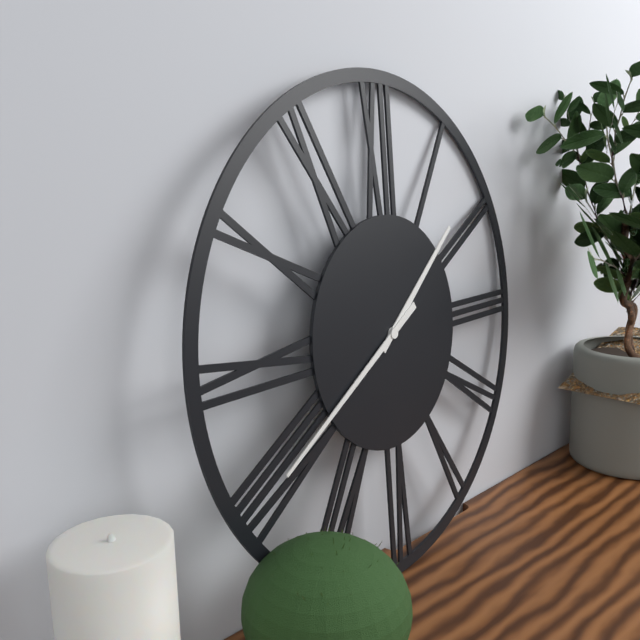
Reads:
h=1 m=40
